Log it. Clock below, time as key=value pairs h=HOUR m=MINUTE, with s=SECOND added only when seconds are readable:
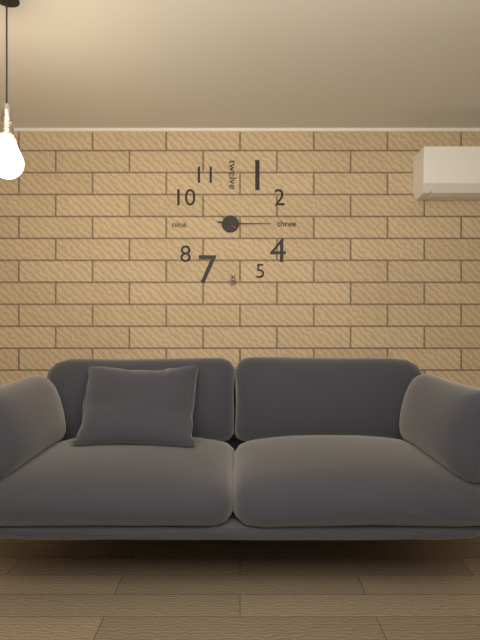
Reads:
h=9 m=15
